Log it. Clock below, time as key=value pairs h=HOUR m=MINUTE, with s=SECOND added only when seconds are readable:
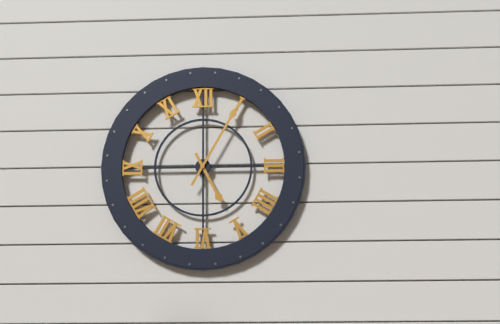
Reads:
h=5 m=5
